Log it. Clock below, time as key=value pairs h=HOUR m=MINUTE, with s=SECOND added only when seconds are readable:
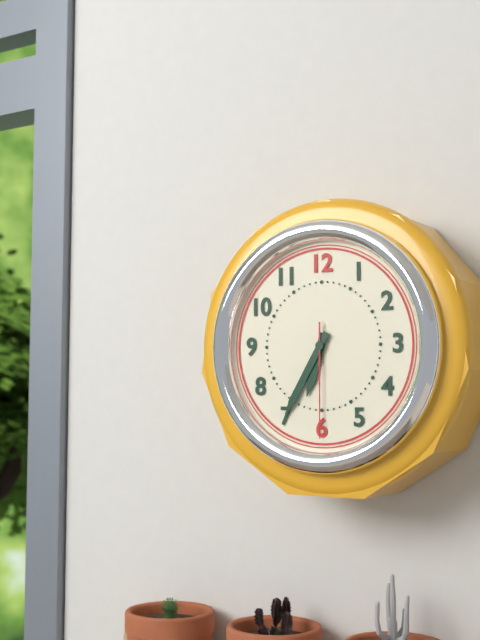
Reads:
h=6 m=35 s=30
